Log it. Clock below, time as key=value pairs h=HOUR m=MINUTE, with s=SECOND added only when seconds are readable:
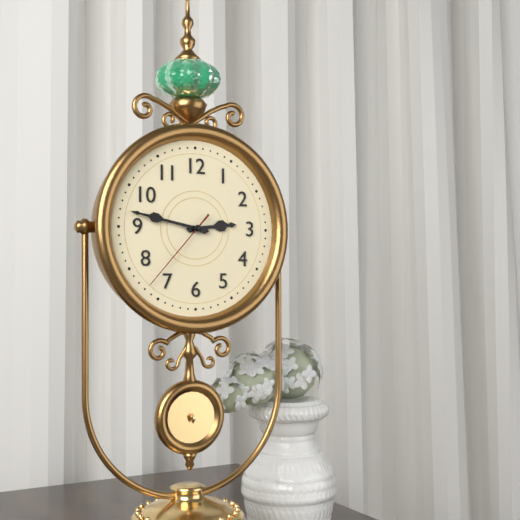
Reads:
h=2 m=47 s=37
